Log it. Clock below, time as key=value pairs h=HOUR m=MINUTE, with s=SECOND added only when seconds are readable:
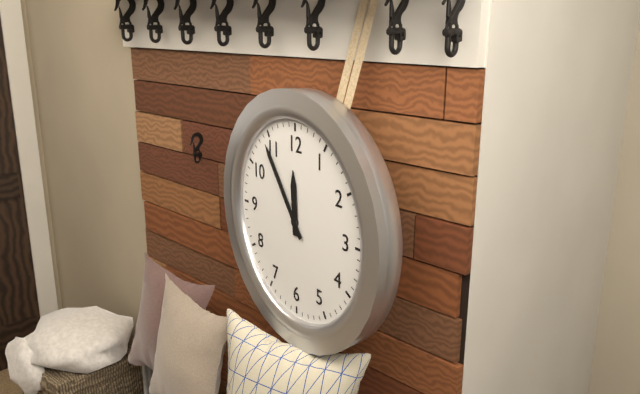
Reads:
h=11 m=54
